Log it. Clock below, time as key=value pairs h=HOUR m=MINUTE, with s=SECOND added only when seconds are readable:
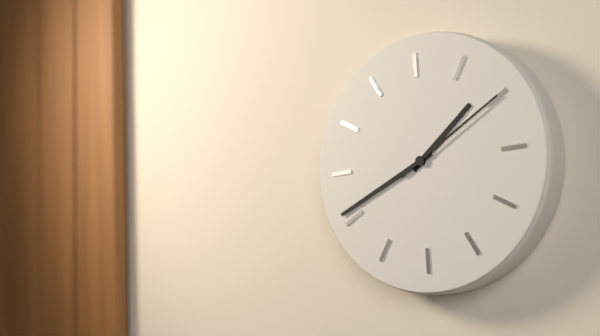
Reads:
h=1 m=41 s=10
